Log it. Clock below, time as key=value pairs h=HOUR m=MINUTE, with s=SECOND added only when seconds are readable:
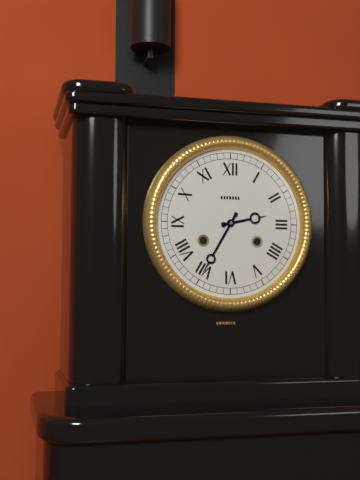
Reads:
h=2 m=35
